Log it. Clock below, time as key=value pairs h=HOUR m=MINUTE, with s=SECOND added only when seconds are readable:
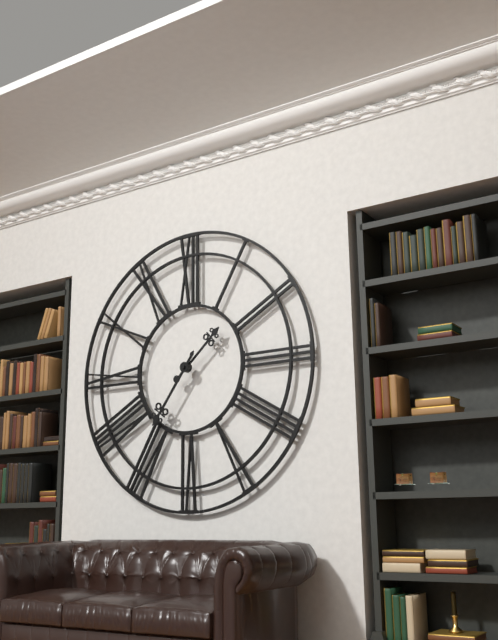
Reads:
h=1 m=36
